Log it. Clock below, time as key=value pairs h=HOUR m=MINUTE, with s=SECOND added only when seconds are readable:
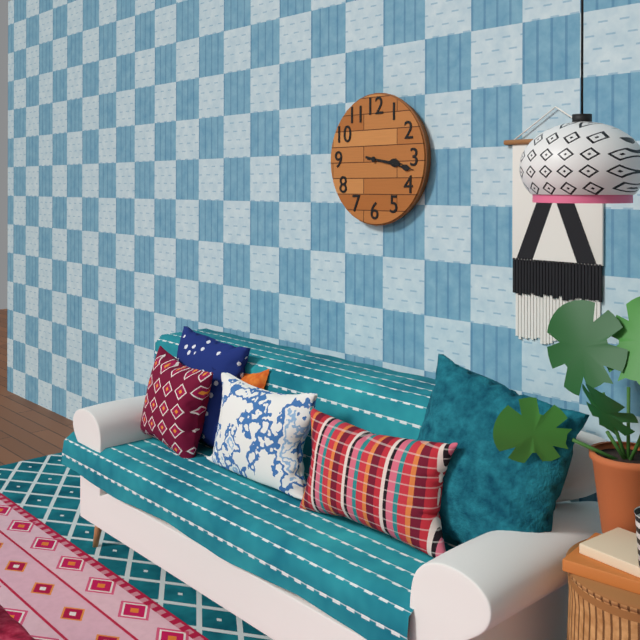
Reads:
h=3 m=17
